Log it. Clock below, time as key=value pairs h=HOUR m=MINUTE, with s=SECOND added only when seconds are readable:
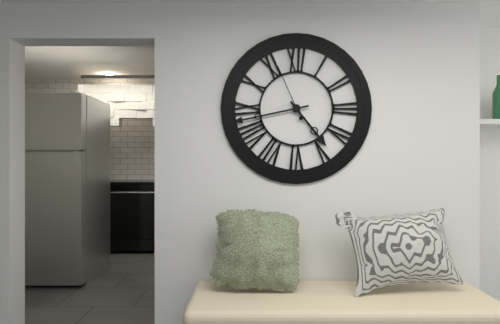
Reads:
h=4 m=43 s=56
